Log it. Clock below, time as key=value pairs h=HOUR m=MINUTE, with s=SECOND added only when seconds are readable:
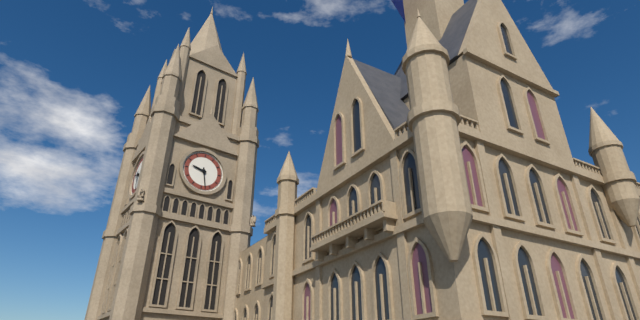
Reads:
h=9 m=28
